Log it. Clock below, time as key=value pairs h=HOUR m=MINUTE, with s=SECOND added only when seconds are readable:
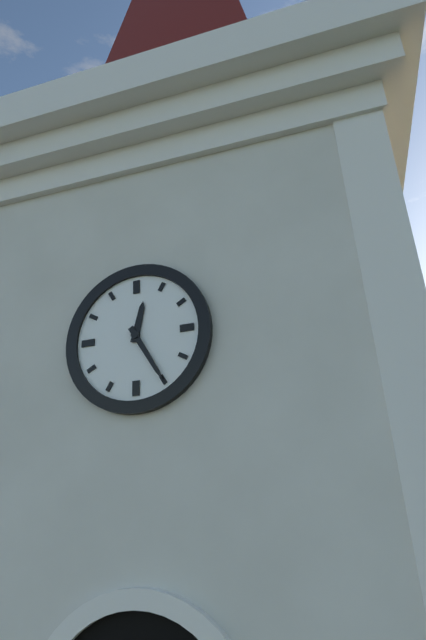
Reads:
h=12 m=25
